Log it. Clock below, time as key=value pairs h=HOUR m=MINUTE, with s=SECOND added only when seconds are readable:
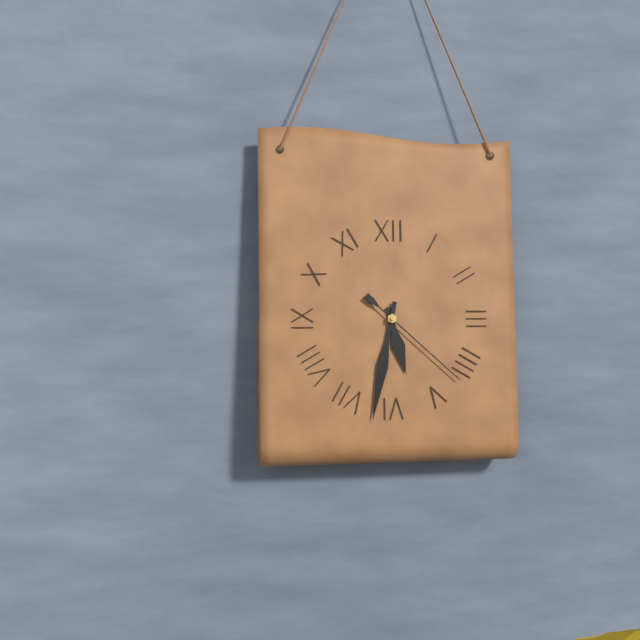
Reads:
h=5 m=32 s=22
